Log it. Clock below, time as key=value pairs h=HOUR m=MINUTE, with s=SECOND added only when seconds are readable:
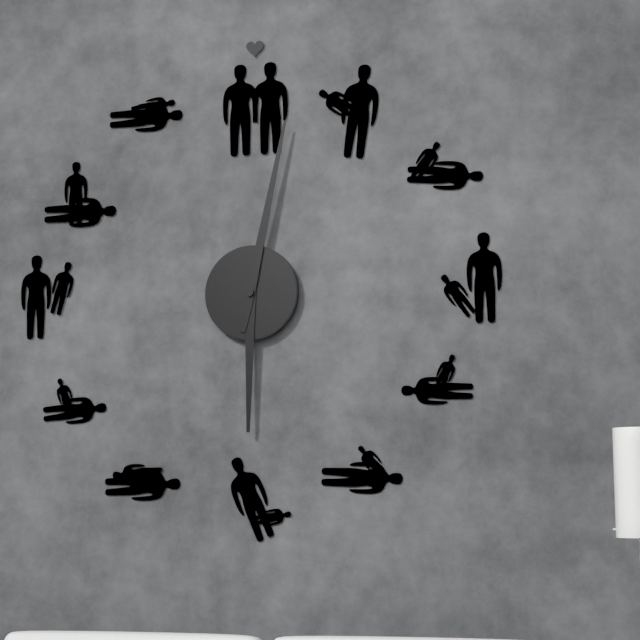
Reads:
h=6 m=2
